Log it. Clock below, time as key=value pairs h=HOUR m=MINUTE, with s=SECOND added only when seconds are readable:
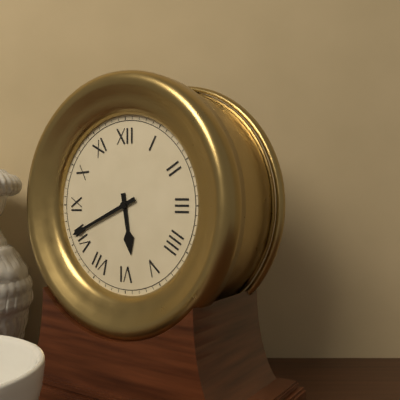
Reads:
h=5 m=41
